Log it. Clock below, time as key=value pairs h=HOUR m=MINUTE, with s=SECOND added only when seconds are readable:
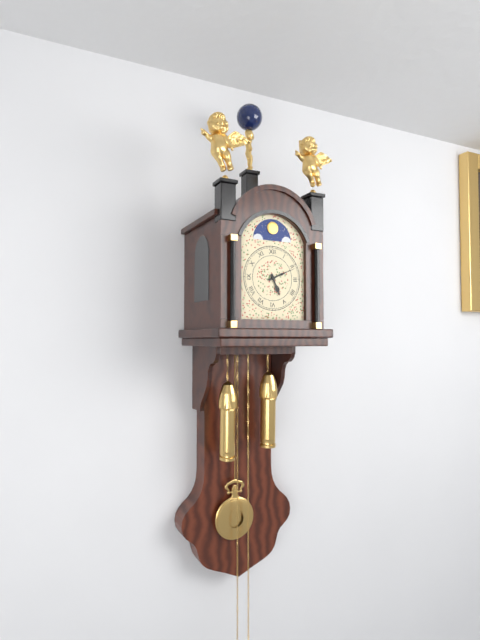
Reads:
h=5 m=11
